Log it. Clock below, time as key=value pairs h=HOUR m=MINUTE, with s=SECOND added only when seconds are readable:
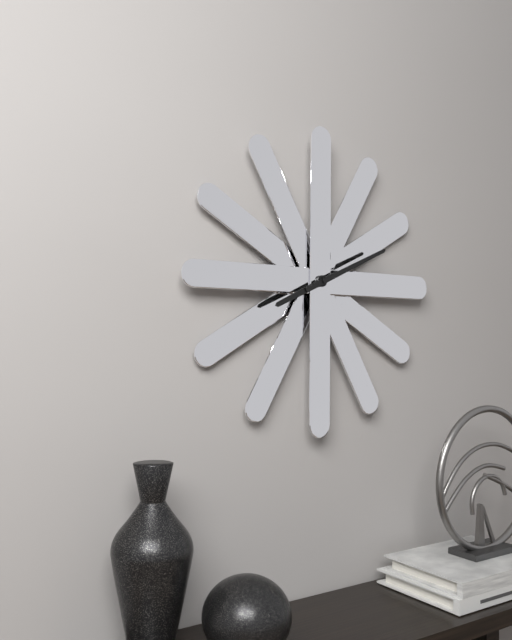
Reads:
h=8 m=11
